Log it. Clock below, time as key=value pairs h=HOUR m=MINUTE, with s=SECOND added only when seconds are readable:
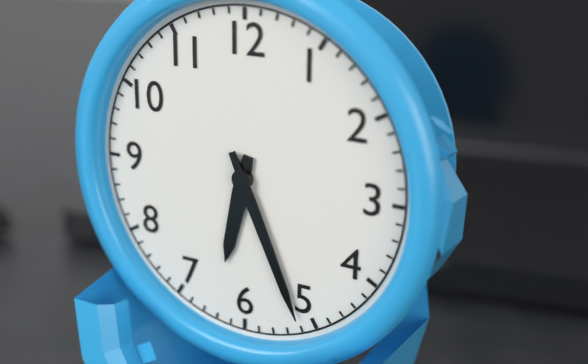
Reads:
h=6 m=26
